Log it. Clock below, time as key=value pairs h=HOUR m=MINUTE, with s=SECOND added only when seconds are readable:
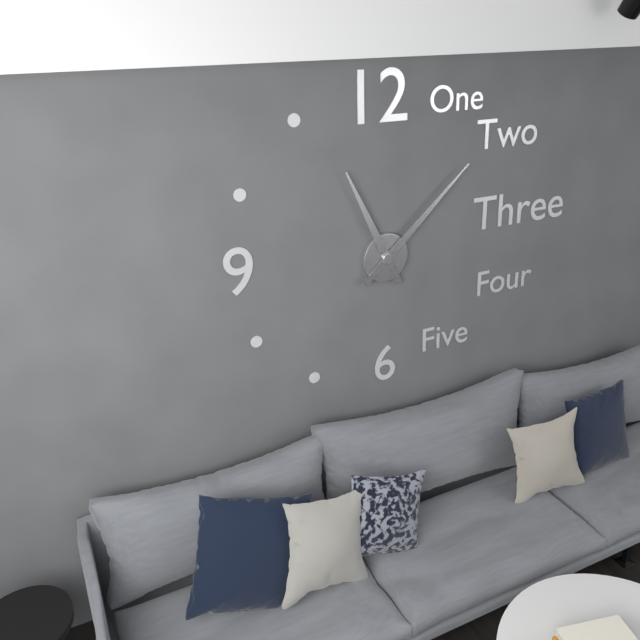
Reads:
h=11 m=8
